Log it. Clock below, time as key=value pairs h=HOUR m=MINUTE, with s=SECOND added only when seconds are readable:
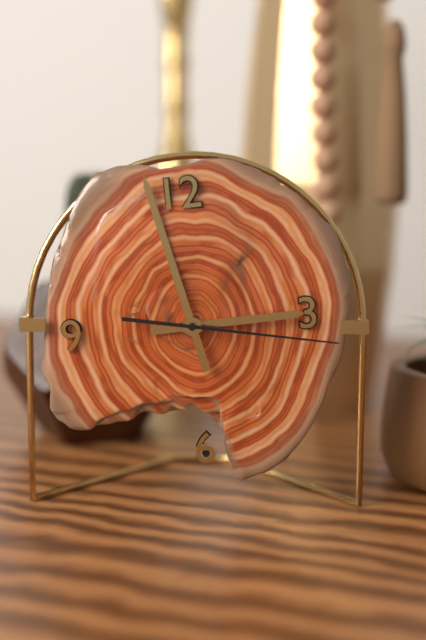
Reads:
h=2 m=58 s=17
